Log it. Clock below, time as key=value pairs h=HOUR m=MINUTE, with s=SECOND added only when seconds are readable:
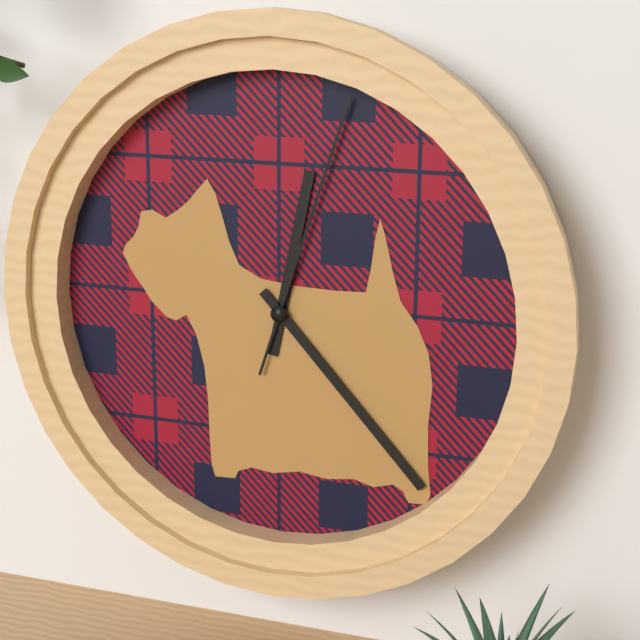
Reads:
h=12 m=23 s=3
